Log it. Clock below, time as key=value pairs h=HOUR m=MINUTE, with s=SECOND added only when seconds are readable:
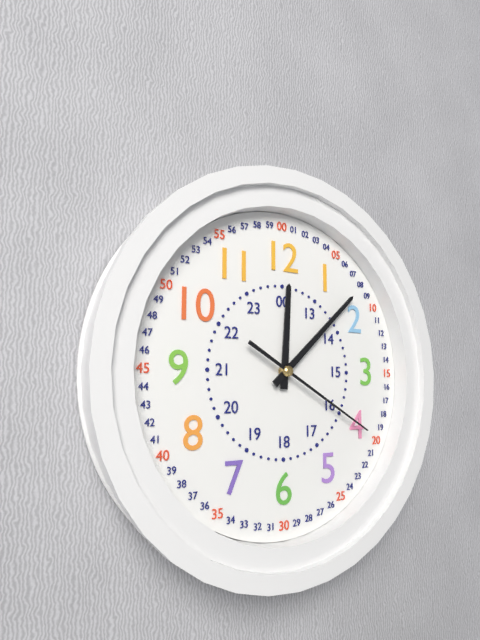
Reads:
h=12 m=8 s=20
